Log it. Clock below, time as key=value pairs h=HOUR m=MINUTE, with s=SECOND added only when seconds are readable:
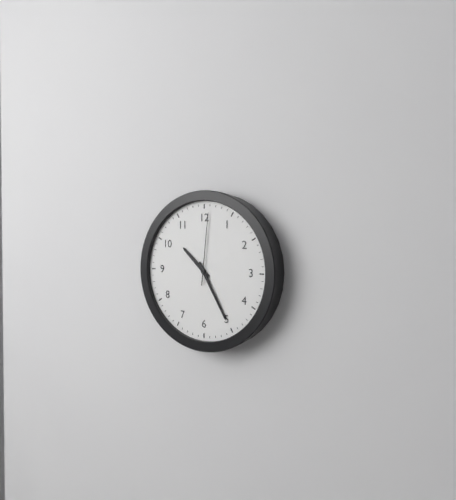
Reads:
h=10 m=25 s=1
